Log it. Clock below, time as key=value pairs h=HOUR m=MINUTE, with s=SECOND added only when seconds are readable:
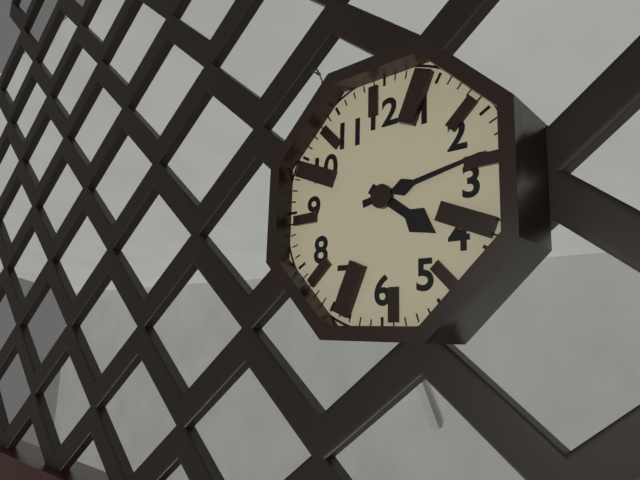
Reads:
h=4 m=13
